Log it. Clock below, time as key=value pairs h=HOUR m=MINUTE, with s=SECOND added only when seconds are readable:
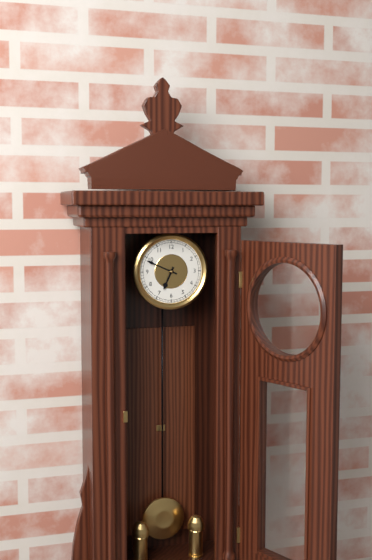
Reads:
h=6 m=49
